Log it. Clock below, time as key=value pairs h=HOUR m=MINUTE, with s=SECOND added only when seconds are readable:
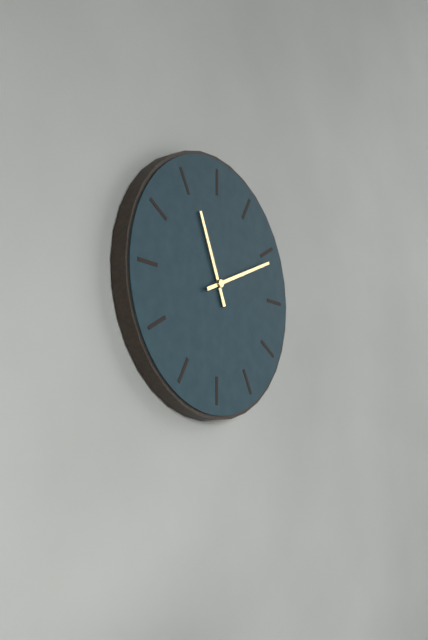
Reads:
h=11 m=11
